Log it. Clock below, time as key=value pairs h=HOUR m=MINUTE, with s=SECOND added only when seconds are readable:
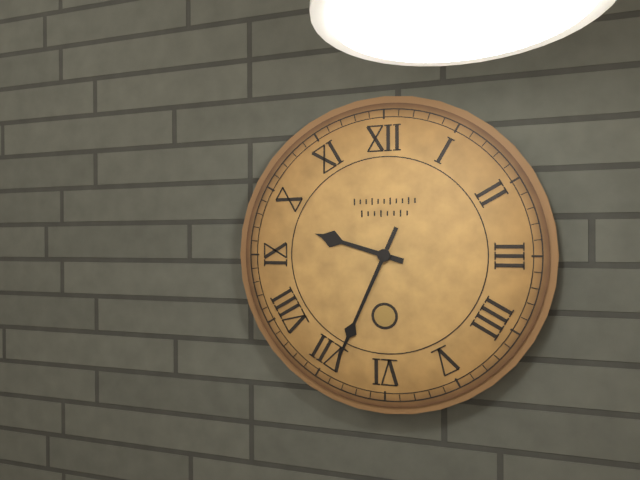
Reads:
h=9 m=34
